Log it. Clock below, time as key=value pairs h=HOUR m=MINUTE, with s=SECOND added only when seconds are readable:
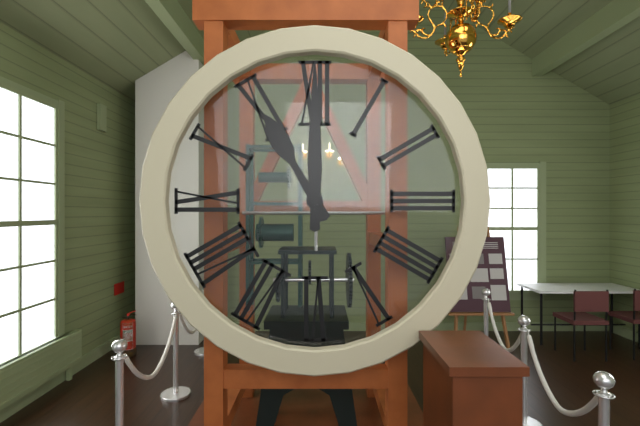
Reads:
h=11 m=0
